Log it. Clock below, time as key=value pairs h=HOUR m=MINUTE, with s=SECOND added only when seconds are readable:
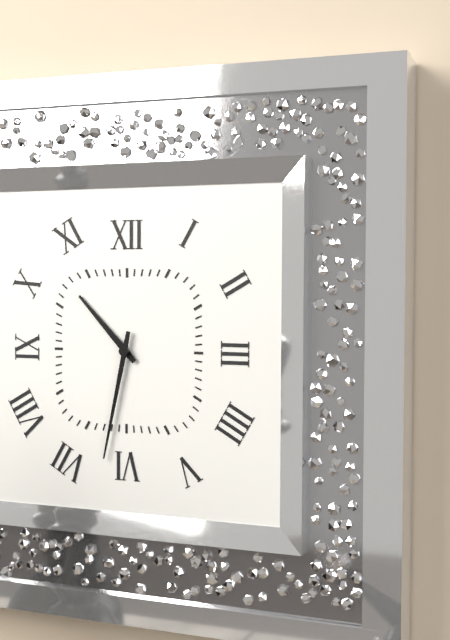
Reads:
h=10 m=32
